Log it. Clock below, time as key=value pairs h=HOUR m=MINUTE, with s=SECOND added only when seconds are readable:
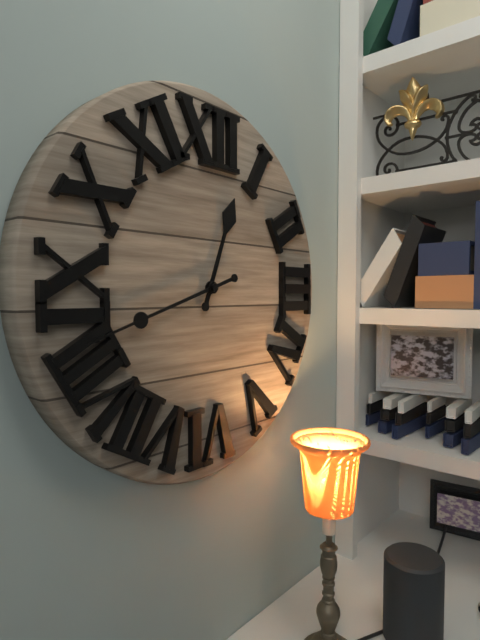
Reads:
h=12 m=42
